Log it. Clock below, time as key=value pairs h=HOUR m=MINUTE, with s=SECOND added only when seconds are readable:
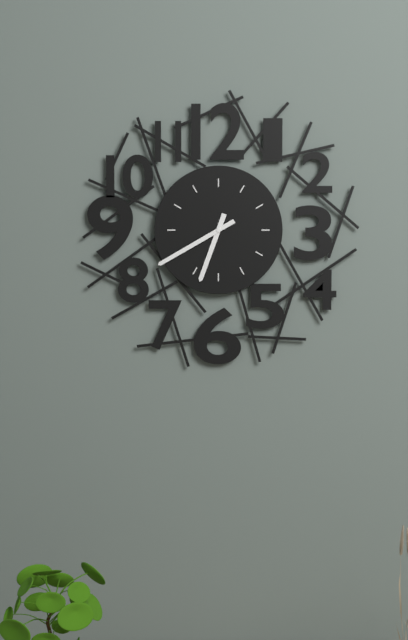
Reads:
h=6 m=40
